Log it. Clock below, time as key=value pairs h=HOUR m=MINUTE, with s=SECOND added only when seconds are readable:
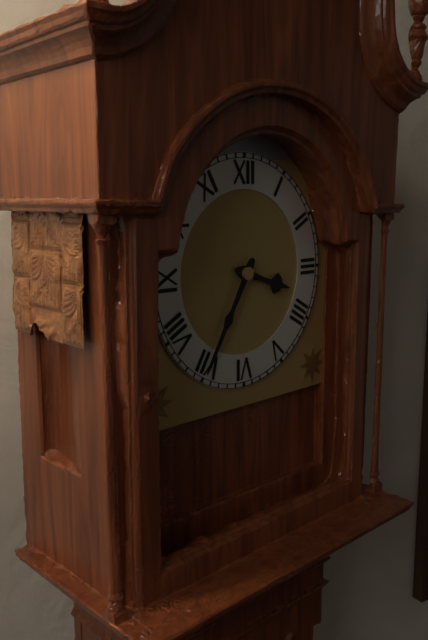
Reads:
h=3 m=35
